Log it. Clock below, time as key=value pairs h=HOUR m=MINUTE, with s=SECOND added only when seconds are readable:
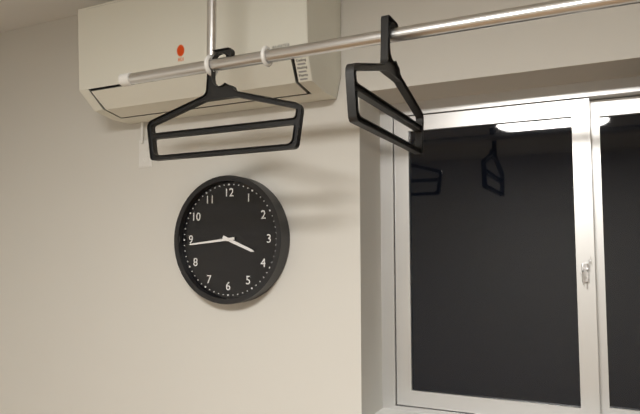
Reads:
h=3 m=44
